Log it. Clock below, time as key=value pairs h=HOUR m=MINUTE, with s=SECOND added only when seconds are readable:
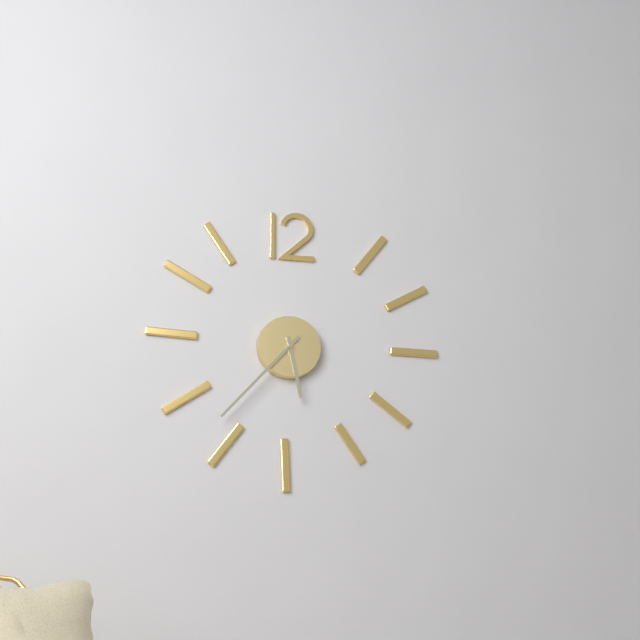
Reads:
h=5 m=37
